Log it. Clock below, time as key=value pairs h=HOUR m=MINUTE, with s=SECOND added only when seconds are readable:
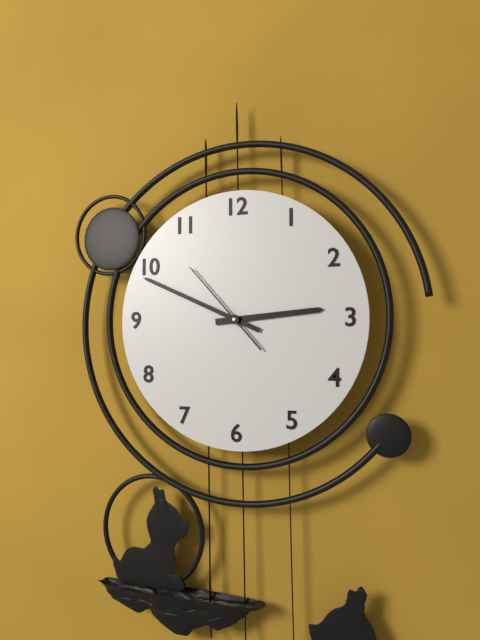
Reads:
h=2 m=49 s=53
